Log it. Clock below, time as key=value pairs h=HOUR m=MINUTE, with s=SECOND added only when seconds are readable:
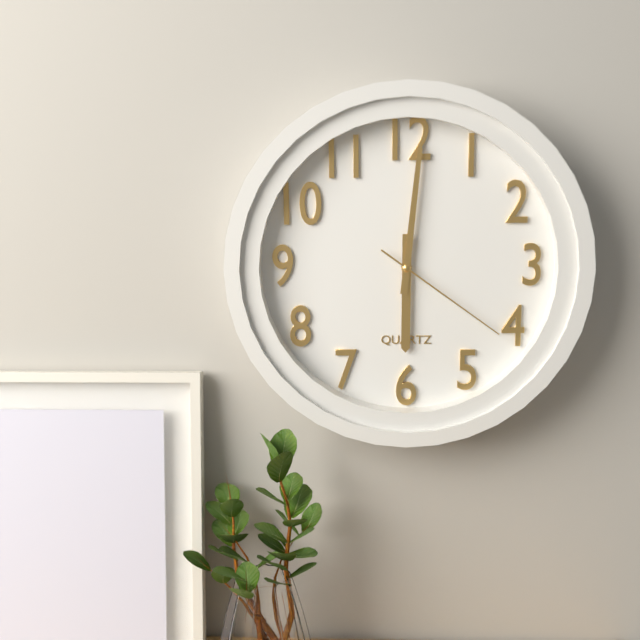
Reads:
h=6 m=1 s=21
